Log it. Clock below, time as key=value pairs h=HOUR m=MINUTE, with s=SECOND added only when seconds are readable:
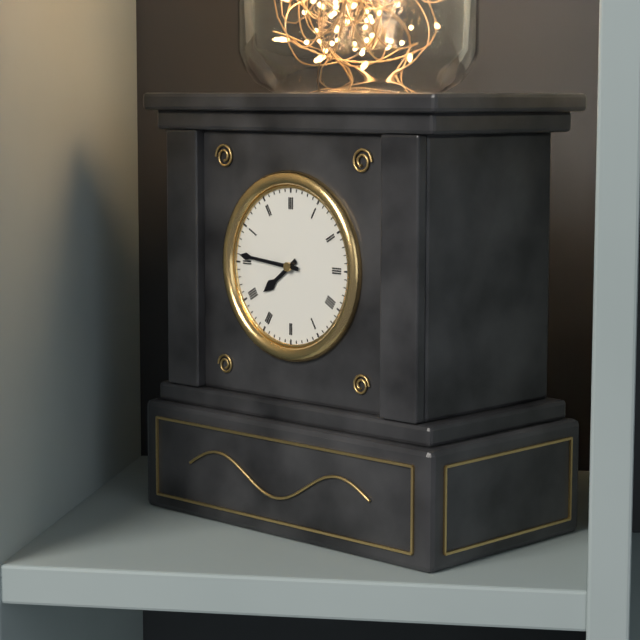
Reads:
h=7 m=46
